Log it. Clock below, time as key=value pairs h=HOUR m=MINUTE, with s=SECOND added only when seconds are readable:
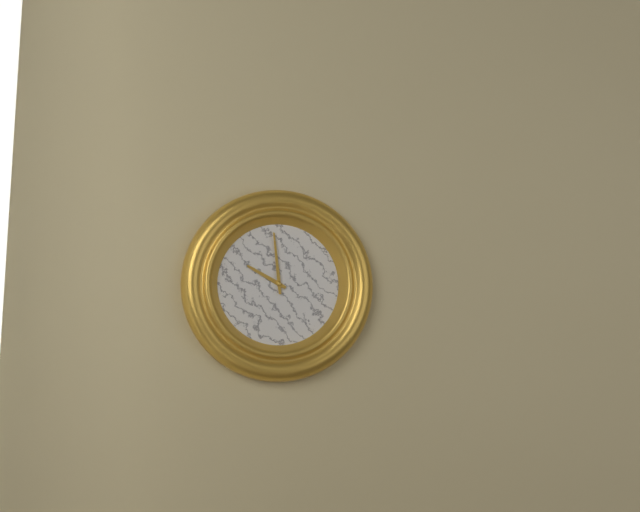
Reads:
h=9 m=59
